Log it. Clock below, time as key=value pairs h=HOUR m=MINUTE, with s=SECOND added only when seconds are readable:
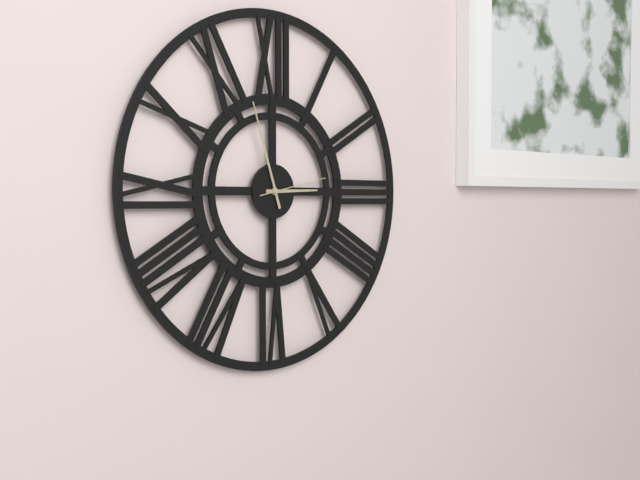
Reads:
h=2 m=57 s=13
